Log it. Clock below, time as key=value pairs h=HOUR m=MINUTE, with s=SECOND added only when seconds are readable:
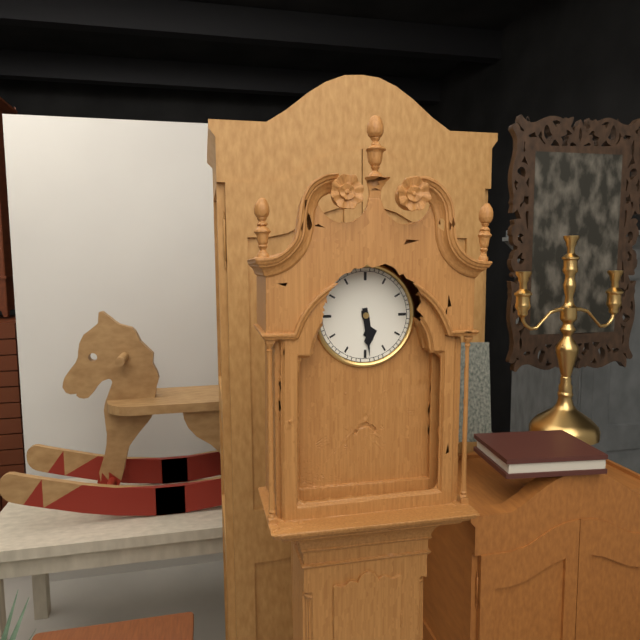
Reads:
h=5 m=29
